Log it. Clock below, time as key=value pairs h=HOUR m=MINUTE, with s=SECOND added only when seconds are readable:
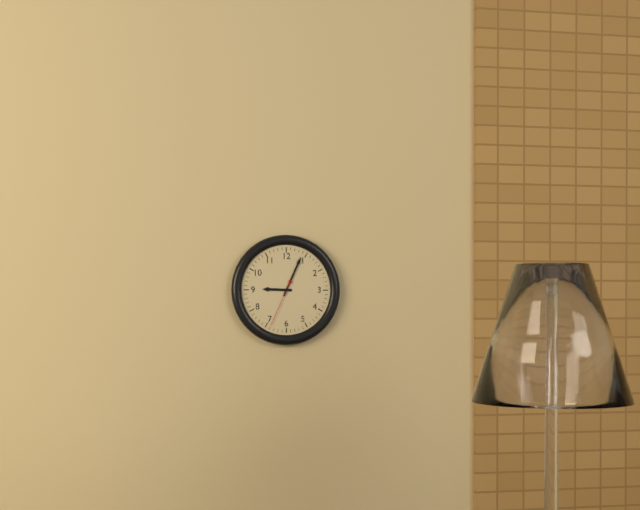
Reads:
h=9 m=4
